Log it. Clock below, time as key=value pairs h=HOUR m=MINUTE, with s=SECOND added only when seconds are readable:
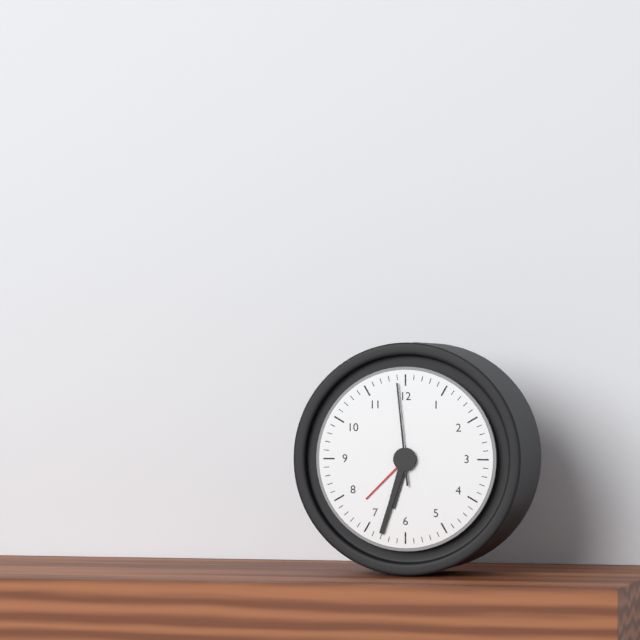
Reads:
h=6 m=33 s=59
